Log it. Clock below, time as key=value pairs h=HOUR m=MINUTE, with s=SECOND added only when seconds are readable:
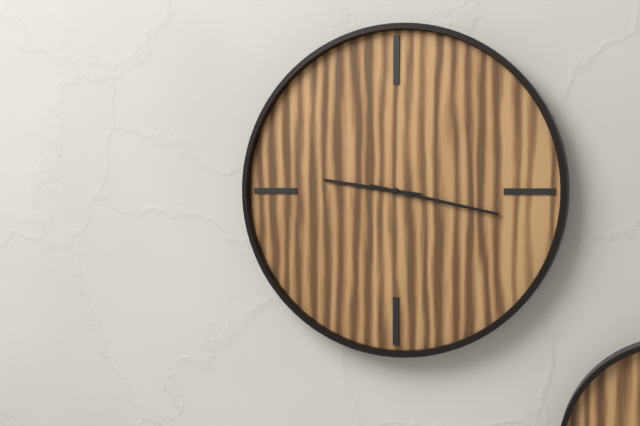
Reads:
h=9 m=17
